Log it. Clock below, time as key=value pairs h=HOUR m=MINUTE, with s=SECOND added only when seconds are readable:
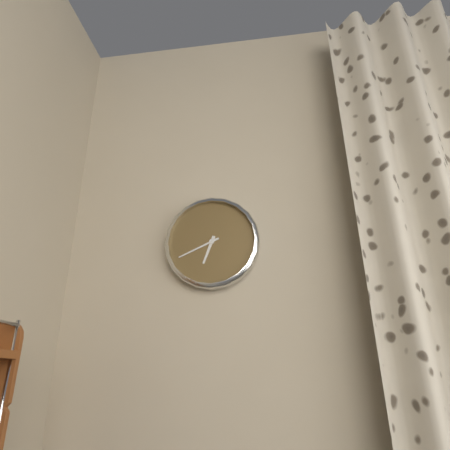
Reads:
h=6 m=41
